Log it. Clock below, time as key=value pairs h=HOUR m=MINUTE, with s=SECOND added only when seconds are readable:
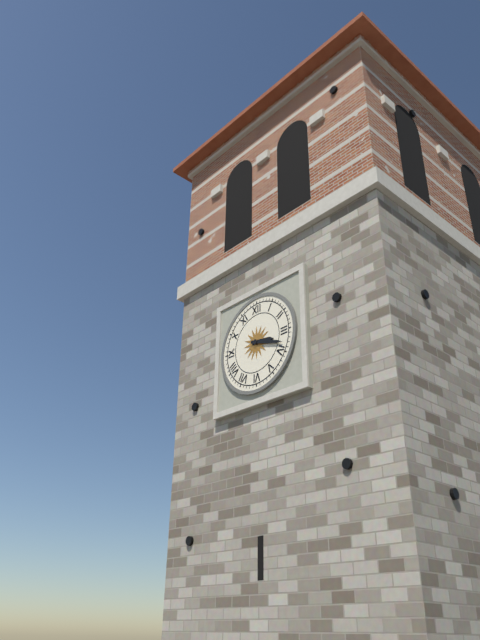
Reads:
h=3 m=18
